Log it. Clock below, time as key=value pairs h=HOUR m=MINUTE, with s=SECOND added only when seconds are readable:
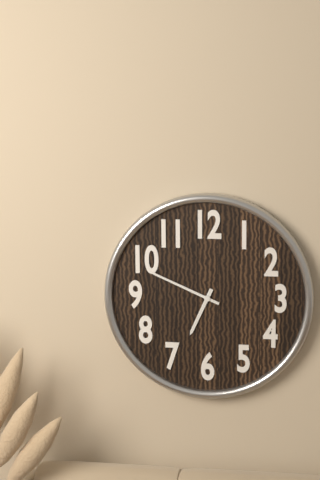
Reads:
h=6 m=49
